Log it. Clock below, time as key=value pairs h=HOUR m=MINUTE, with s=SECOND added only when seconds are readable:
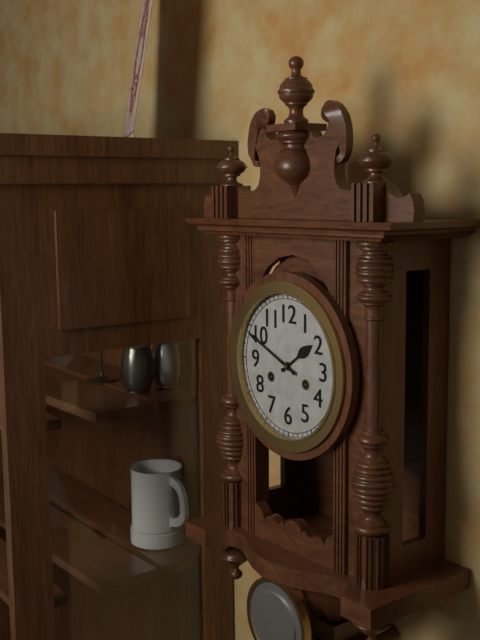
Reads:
h=1 m=49
